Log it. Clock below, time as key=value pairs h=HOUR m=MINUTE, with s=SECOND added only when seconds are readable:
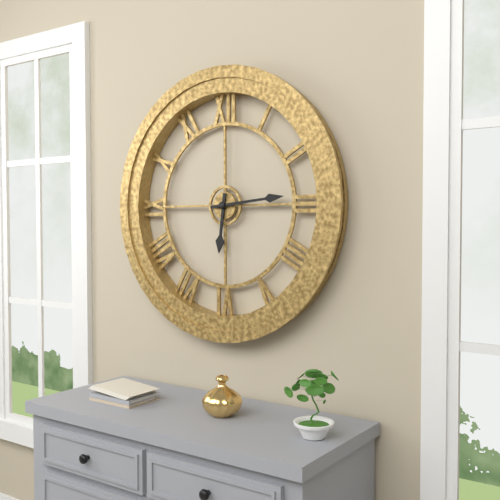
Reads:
h=6 m=14
